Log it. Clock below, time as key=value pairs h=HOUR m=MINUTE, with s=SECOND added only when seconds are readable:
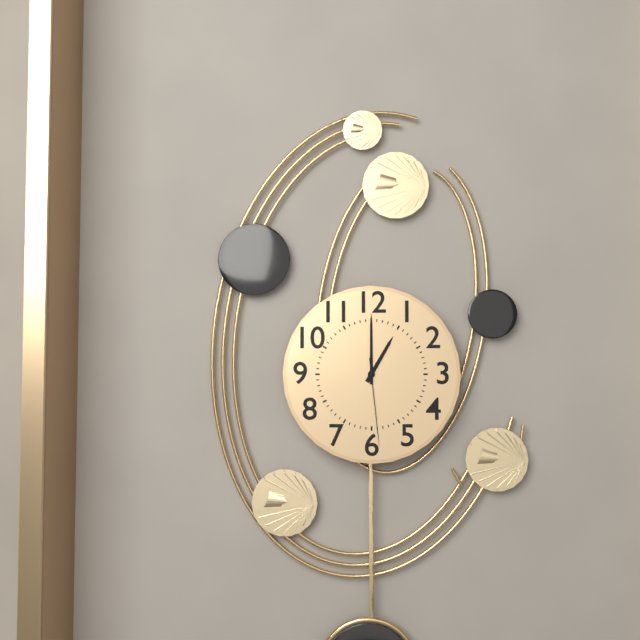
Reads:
h=1 m=0 s=29
